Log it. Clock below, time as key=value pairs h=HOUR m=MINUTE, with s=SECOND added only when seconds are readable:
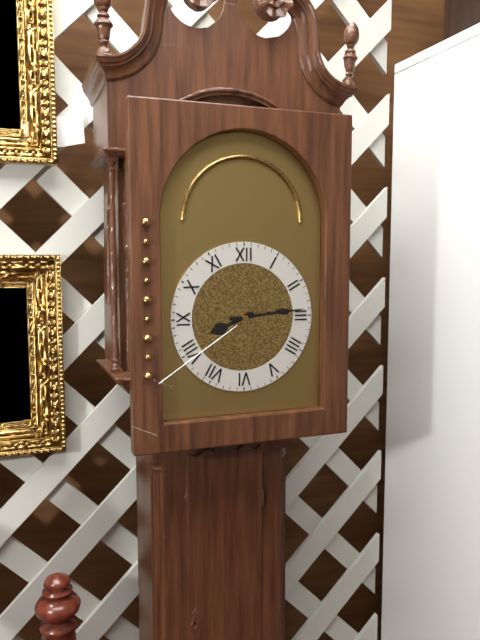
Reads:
h=8 m=14
